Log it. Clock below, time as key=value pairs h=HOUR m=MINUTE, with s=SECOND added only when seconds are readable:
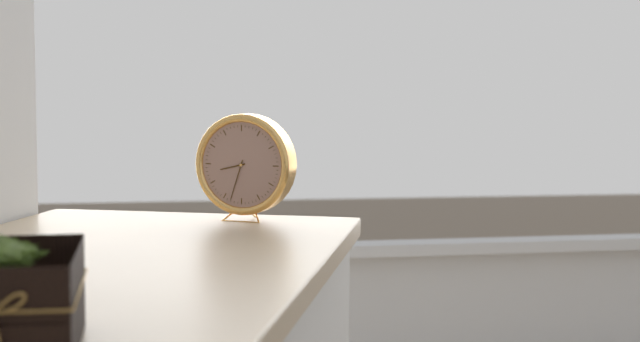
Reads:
h=8 m=33
